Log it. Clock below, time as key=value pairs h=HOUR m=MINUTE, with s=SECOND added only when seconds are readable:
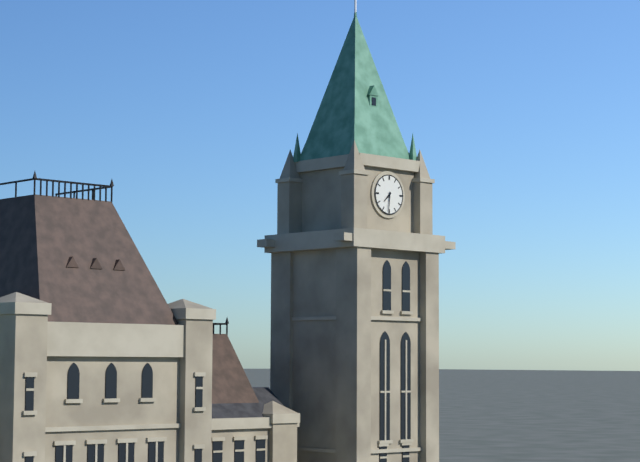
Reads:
h=7 m=31
